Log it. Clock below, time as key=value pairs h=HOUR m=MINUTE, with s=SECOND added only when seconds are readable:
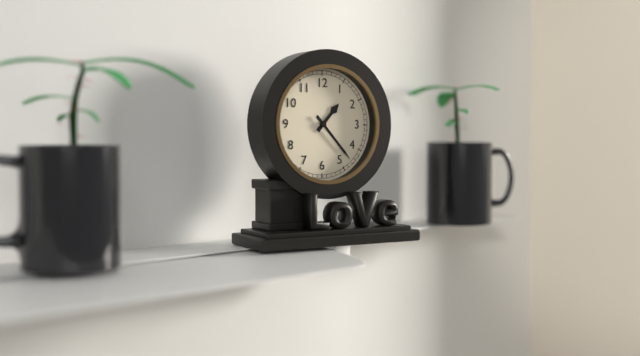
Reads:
h=1 m=23
